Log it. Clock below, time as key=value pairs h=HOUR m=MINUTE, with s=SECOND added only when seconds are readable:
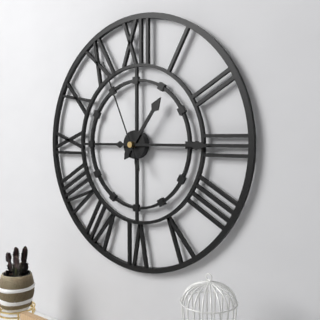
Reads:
h=1 m=15 s=56
